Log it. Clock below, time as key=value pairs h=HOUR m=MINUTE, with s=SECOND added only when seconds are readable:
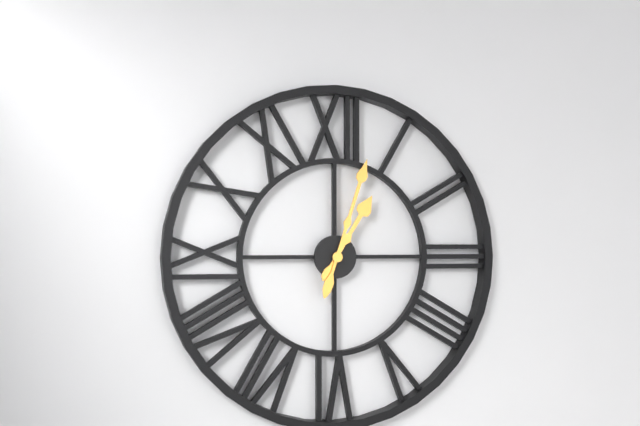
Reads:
h=1 m=3
